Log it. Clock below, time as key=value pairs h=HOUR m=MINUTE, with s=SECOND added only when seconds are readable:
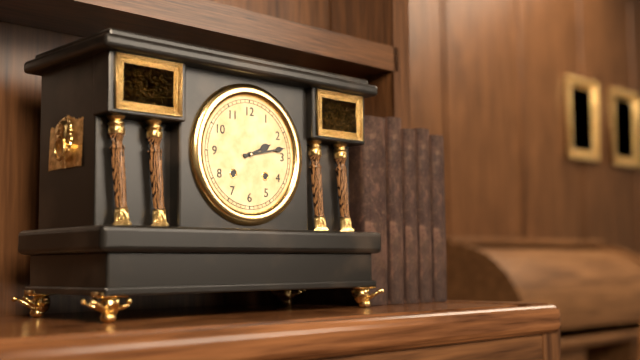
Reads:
h=2 m=13
